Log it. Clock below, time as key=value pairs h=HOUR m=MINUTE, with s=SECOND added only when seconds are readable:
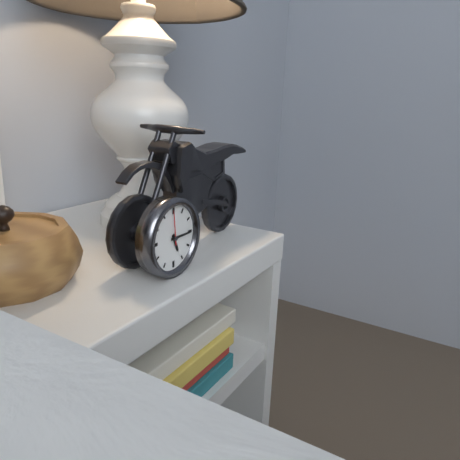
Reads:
h=5 m=15
